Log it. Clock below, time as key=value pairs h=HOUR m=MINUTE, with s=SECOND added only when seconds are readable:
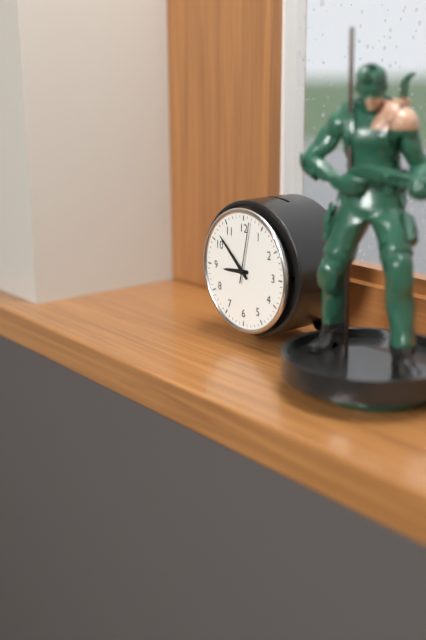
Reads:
h=8 m=52 s=2
